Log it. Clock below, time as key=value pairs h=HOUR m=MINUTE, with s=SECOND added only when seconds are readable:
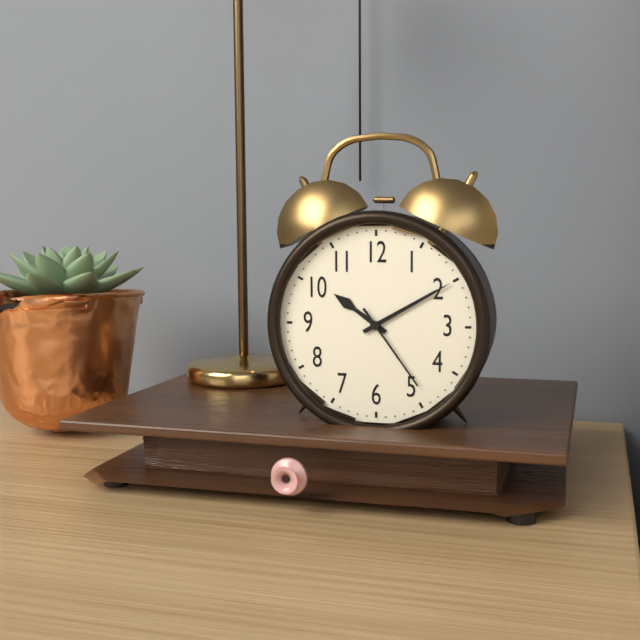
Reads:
h=10 m=10 s=24
